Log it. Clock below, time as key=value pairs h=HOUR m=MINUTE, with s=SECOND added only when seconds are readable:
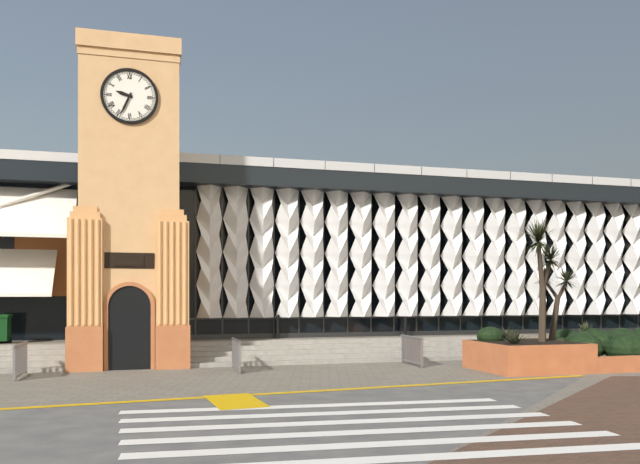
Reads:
h=9 m=34
